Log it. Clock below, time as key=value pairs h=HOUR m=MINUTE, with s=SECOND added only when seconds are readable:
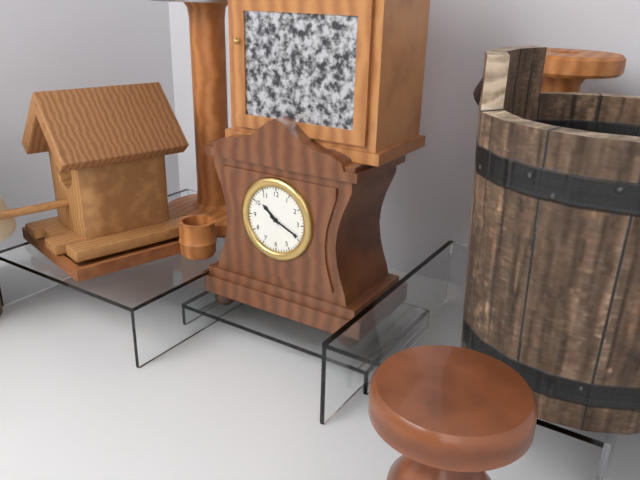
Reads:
h=10 m=19
